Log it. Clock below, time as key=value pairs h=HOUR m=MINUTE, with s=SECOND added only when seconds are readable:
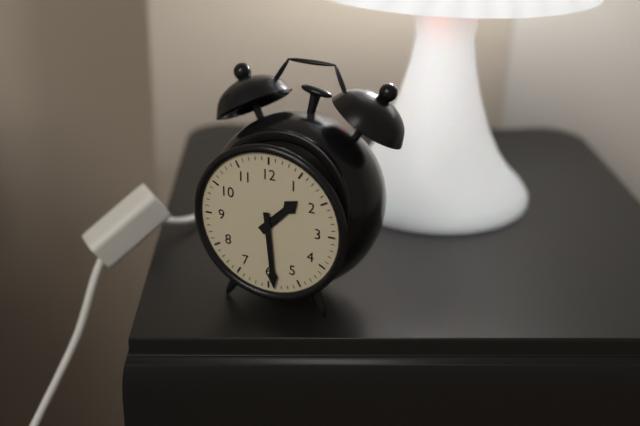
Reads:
h=1 m=29
